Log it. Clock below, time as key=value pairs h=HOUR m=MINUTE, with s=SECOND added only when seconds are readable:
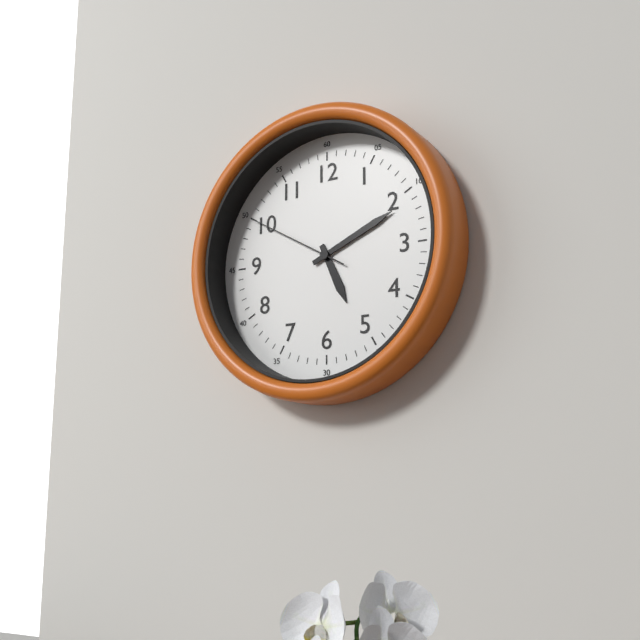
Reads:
h=5 m=11 s=50
